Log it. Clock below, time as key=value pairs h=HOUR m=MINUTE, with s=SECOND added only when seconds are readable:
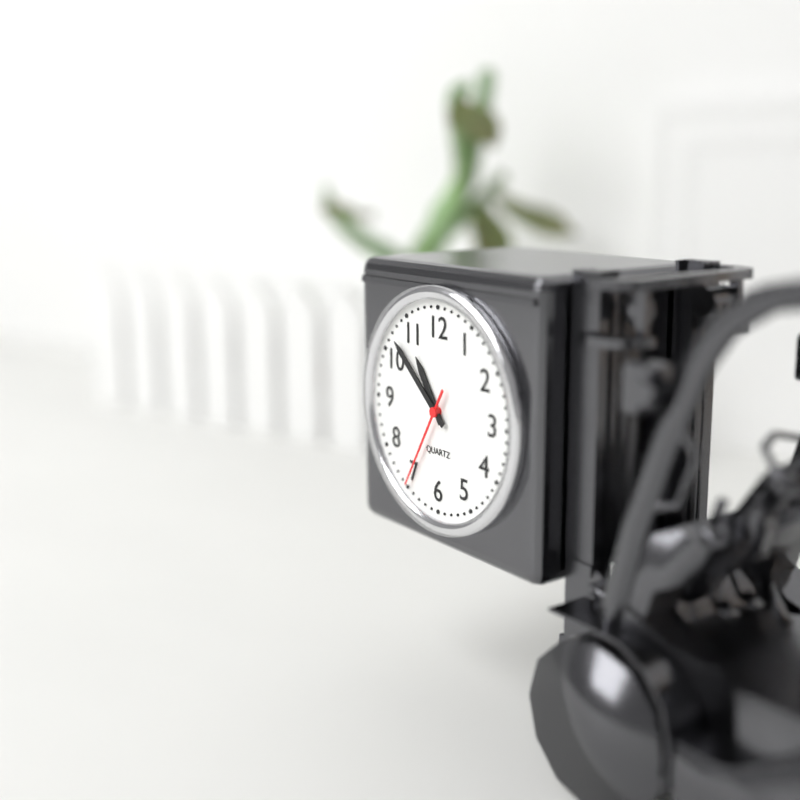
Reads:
h=10 m=52 s=35
